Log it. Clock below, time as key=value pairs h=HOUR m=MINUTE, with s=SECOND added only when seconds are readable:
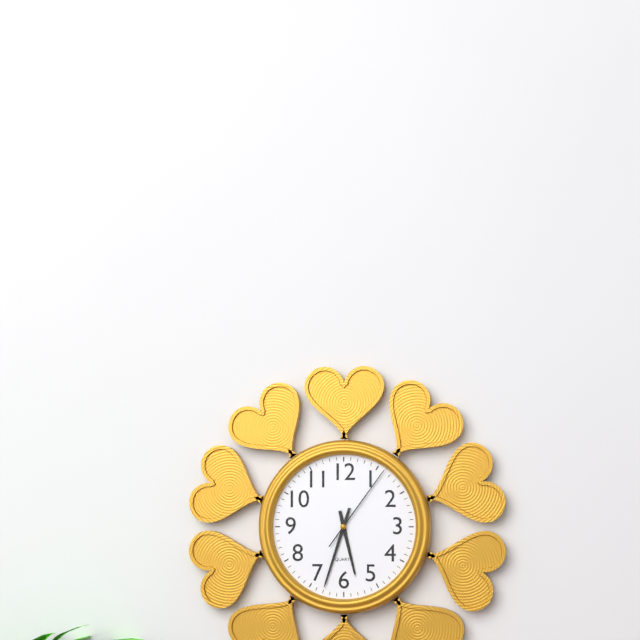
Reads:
h=5 m=33 s=6
